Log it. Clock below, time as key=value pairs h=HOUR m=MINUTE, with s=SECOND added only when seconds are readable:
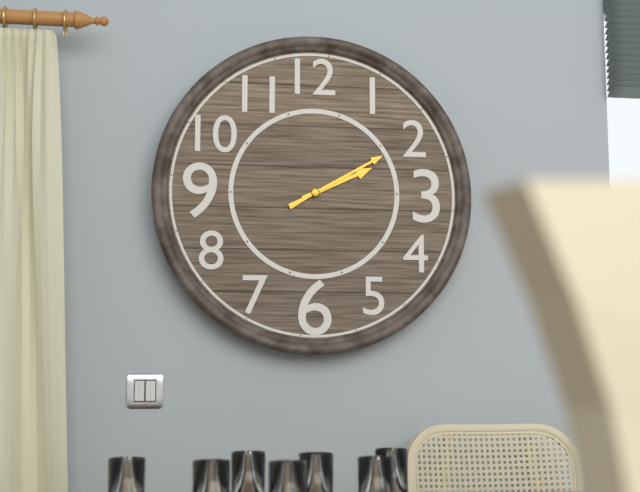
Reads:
h=2 m=10
